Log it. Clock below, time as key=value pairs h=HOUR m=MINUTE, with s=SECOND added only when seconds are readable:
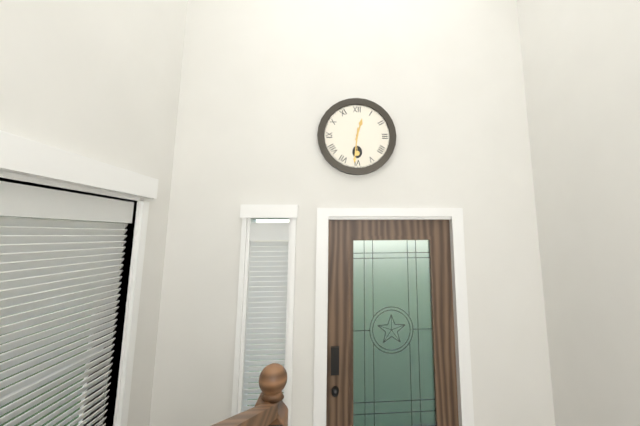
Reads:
h=12 m=31
